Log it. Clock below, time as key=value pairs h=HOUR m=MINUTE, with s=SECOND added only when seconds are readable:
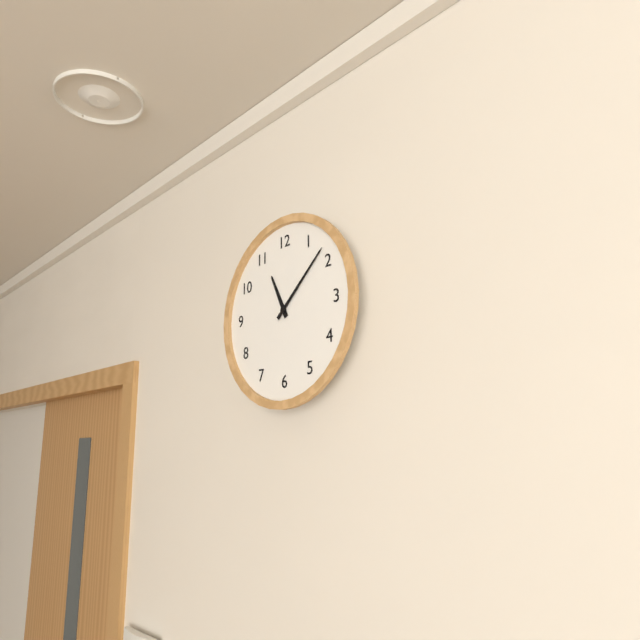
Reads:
h=11 m=8
